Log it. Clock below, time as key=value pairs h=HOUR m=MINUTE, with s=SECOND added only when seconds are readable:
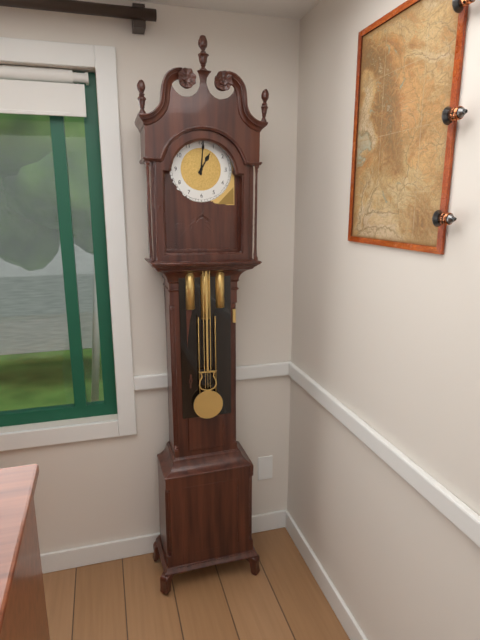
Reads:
h=1 m=1
